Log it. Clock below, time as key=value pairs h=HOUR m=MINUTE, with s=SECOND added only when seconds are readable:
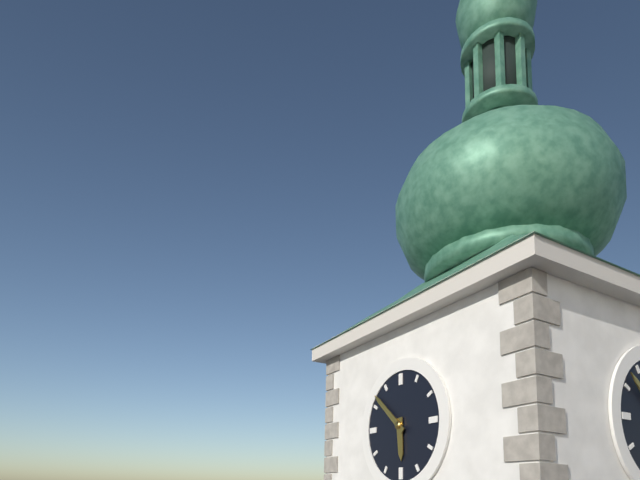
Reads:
h=5 m=52
